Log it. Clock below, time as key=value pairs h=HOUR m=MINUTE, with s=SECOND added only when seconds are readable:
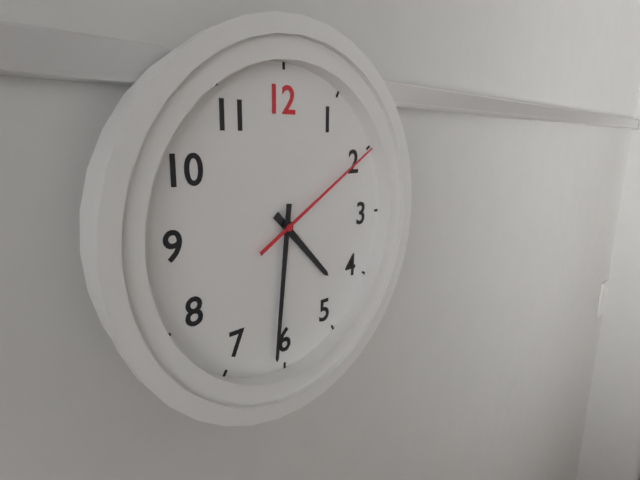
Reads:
h=4 m=31 s=10
